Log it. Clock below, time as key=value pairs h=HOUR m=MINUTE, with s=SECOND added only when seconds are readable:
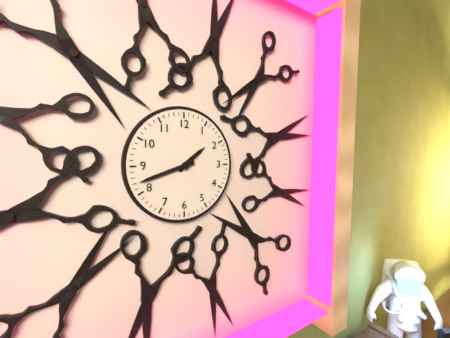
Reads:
h=1 m=42
